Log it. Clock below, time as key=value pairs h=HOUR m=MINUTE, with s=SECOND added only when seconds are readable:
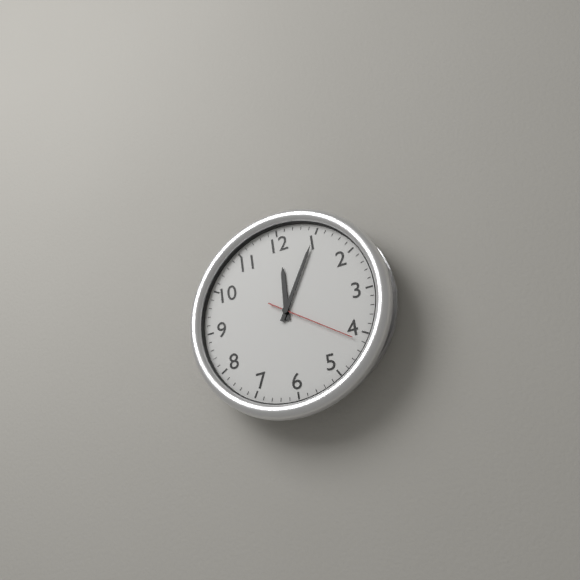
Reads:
h=12 m=5 s=21
